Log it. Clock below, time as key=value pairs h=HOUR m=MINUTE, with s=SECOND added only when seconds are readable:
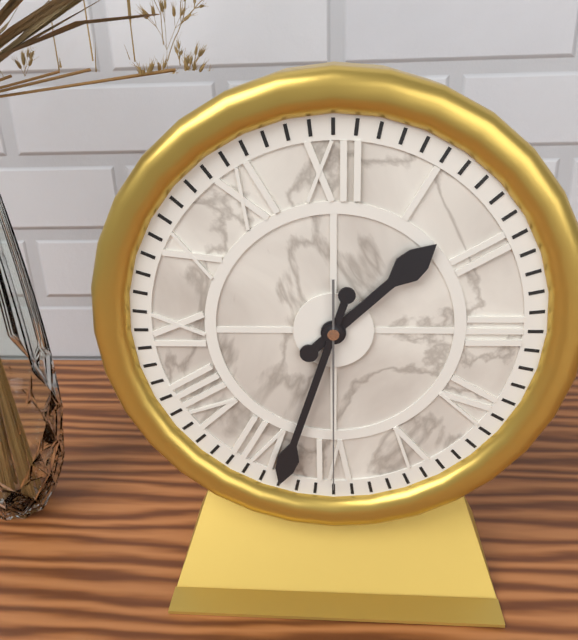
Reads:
h=1 m=33 s=30
